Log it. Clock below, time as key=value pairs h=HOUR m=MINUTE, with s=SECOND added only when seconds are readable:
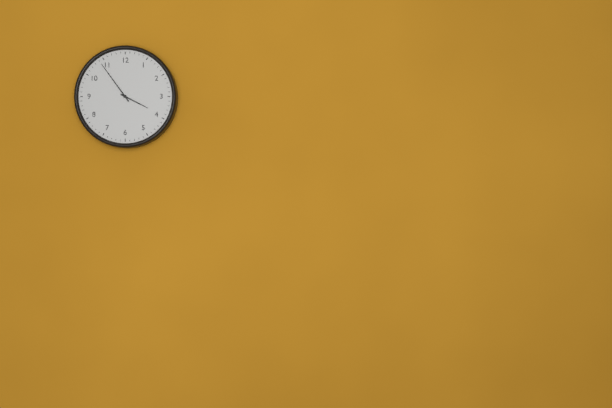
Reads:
h=3 m=54
